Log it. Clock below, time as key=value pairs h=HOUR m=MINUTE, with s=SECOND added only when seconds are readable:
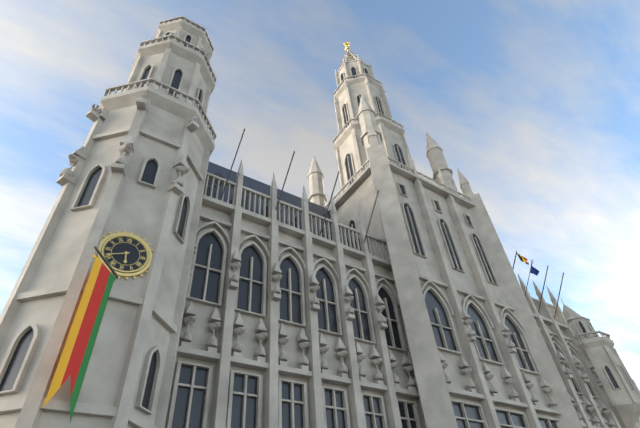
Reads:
h=5 m=41
